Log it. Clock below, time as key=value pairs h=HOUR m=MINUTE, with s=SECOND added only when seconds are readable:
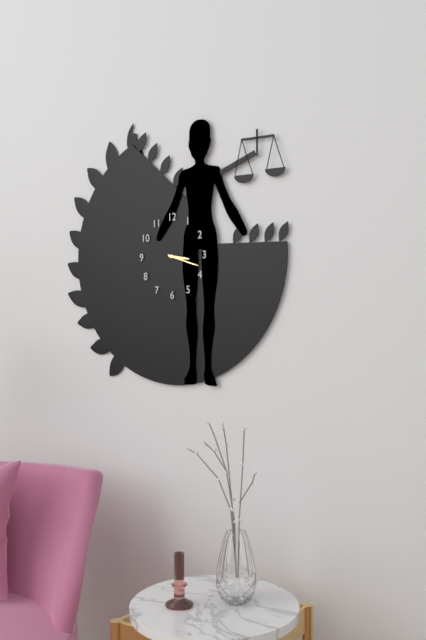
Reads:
h=3 m=18
